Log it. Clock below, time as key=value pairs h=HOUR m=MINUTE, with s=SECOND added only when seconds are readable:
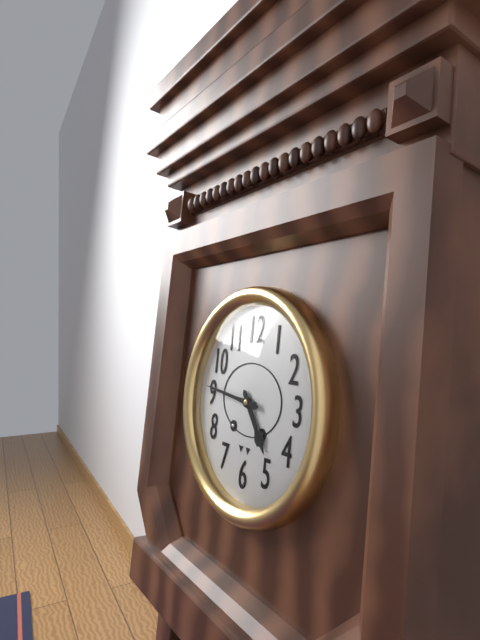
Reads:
h=4 m=46
